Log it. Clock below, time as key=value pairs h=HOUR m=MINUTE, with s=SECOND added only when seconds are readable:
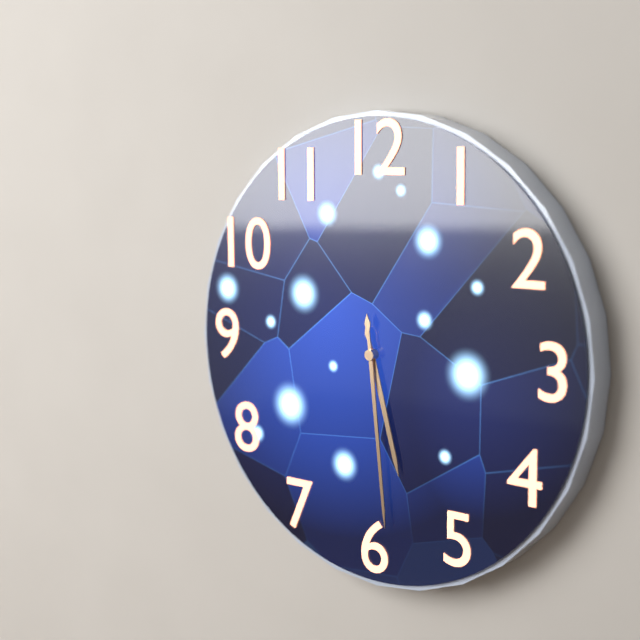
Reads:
h=5 m=29
